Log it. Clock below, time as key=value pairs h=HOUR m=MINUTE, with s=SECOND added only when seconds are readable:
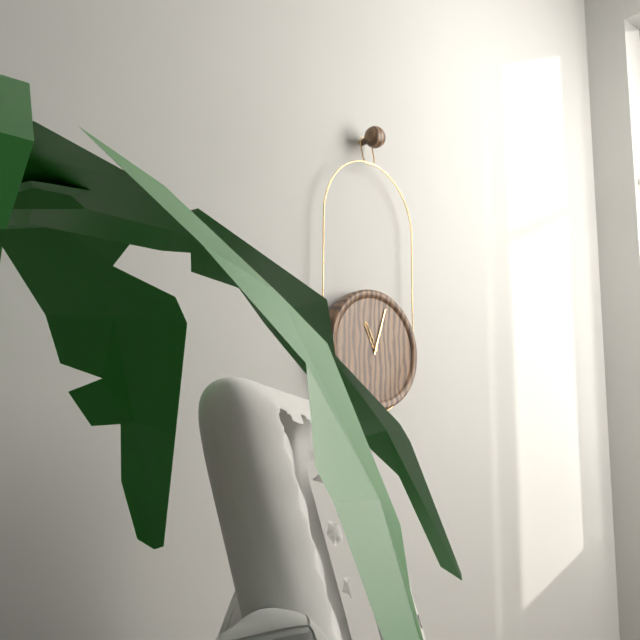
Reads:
h=11 m=3
